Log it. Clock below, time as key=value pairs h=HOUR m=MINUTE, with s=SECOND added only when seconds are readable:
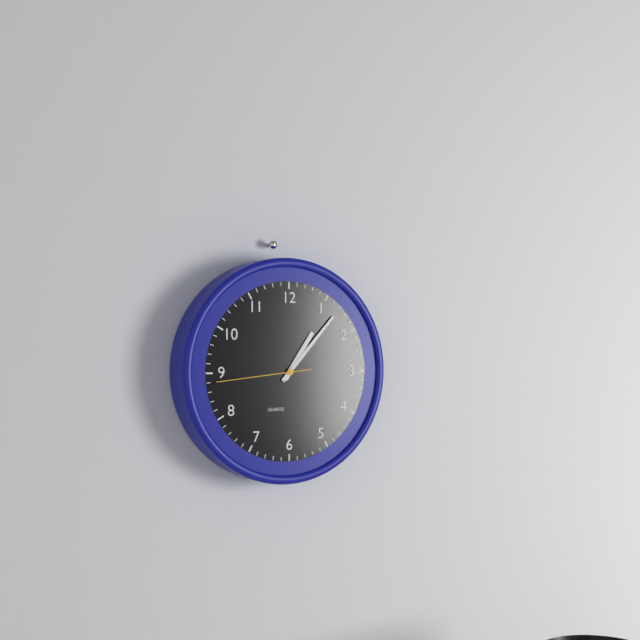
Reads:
h=1 m=7 s=44
